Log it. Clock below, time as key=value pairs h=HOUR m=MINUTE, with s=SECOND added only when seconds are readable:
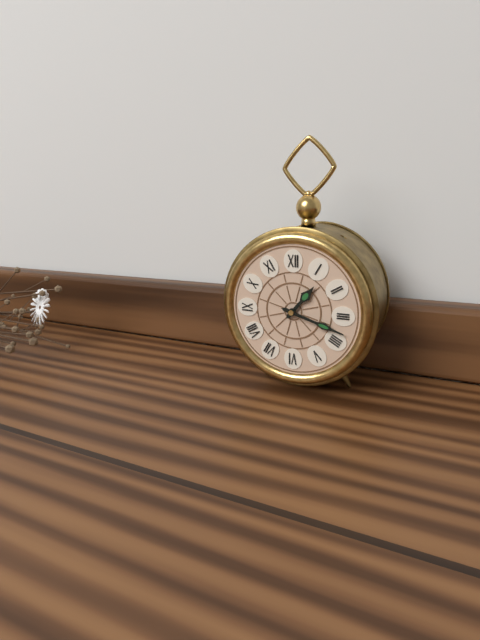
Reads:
h=1 m=18
